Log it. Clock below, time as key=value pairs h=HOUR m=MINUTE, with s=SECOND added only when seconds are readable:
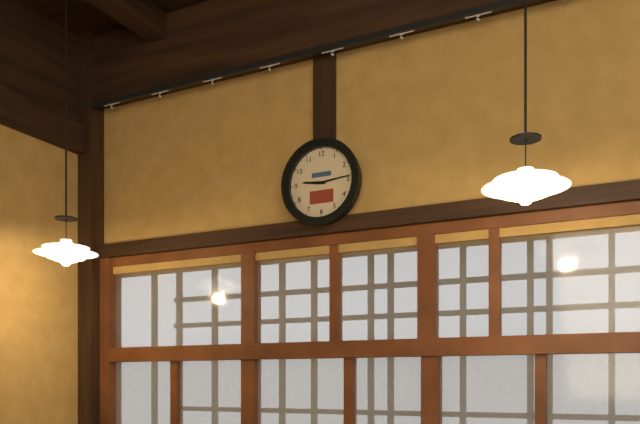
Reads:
h=9 m=14
